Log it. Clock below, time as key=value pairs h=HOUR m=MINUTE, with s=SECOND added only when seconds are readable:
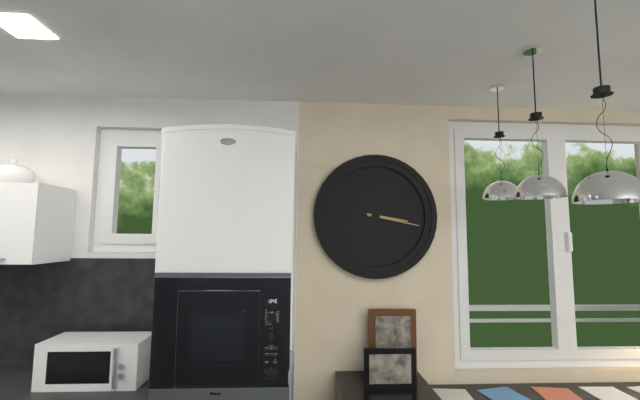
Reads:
h=3 m=17
